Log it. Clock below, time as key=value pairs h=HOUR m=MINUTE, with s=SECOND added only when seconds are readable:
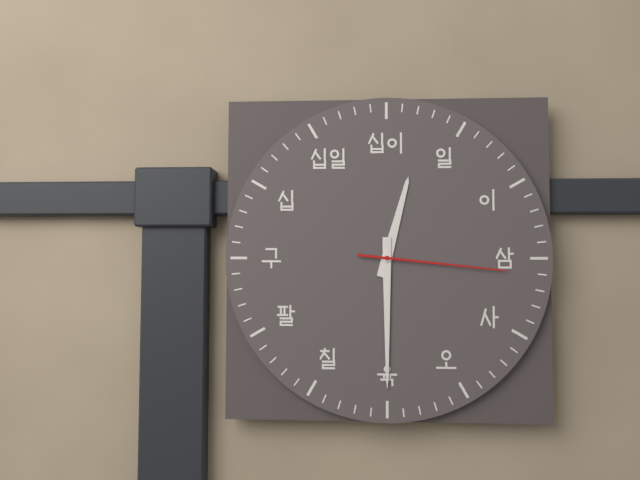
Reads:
h=12 m=30 s=16
